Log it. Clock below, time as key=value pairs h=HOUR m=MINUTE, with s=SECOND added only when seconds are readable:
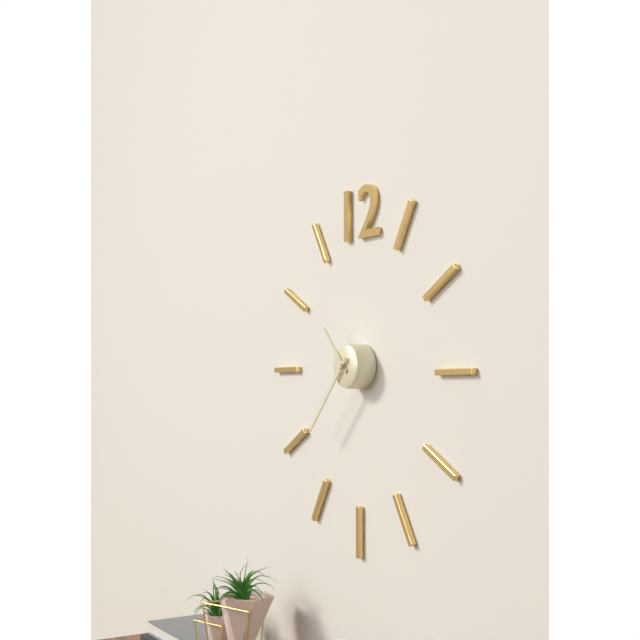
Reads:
h=10 m=37
